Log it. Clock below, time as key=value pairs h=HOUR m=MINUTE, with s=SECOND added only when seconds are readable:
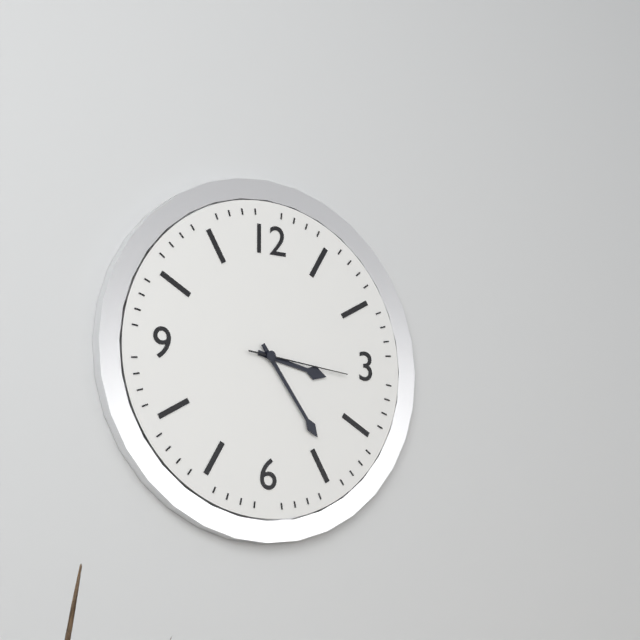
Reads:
h=3 m=24 s=16
